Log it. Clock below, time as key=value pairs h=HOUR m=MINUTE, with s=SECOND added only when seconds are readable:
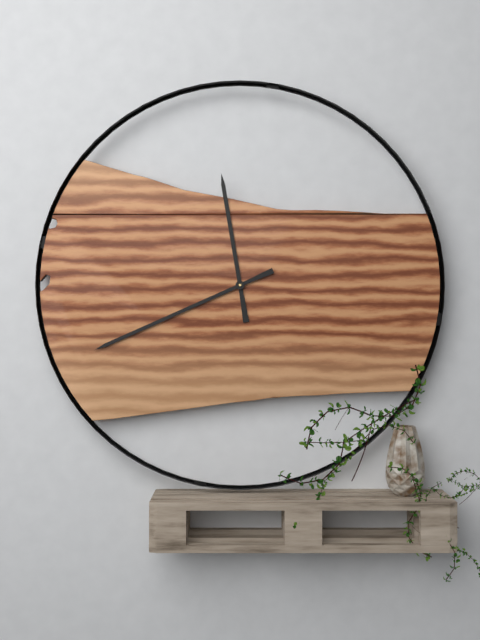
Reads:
h=11 m=41
